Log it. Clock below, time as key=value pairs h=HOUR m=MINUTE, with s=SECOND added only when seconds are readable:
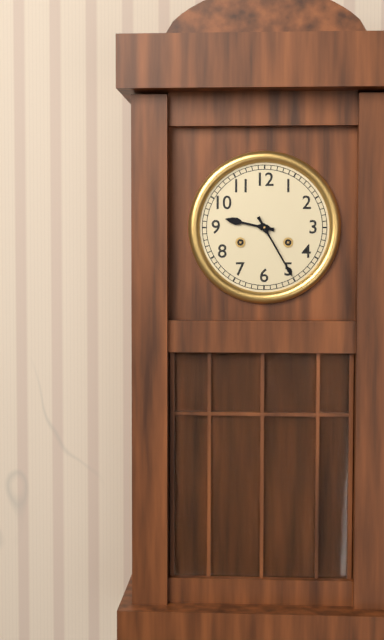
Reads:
h=9 m=25
